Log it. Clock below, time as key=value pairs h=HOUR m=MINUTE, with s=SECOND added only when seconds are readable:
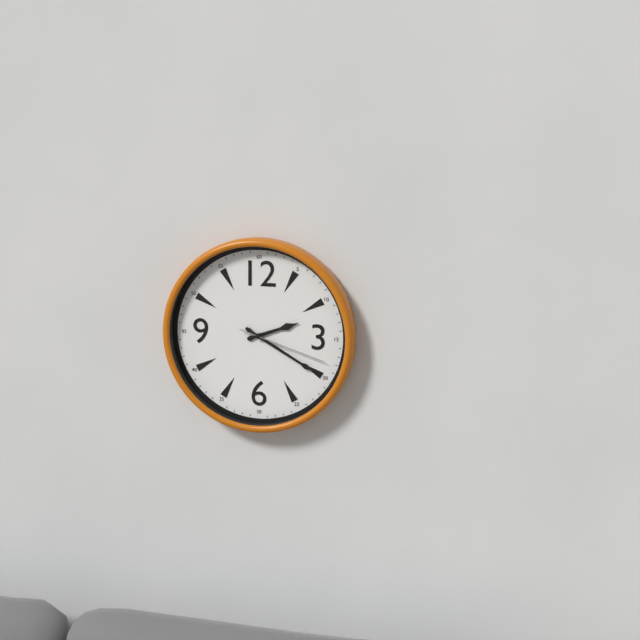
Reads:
h=2 m=20 s=18
